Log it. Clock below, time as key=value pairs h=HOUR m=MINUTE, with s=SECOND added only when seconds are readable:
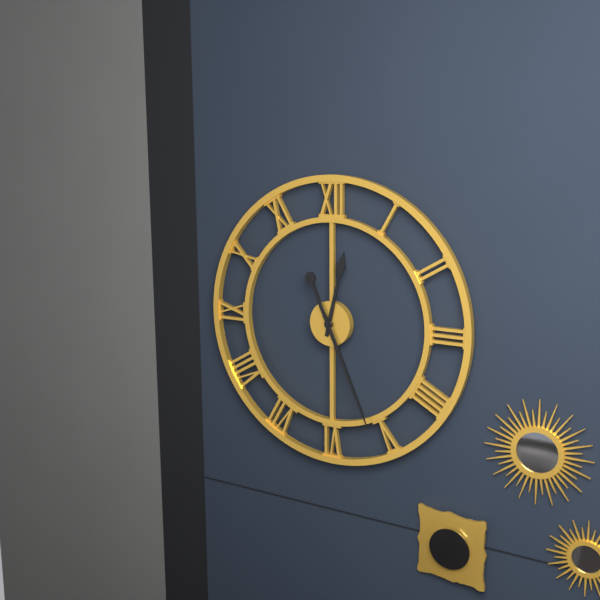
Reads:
h=12 m=26
